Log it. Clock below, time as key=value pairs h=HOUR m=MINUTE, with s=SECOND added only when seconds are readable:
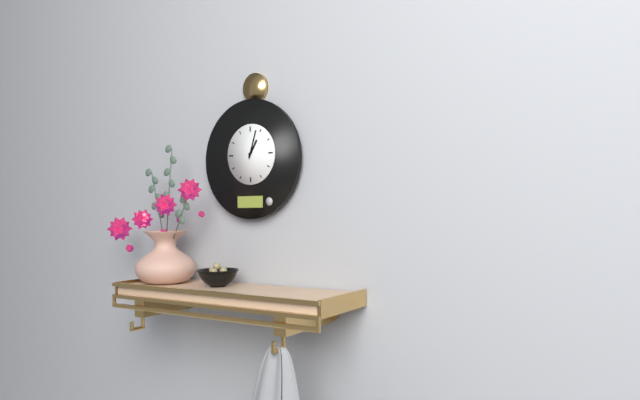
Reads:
h=1 m=3
